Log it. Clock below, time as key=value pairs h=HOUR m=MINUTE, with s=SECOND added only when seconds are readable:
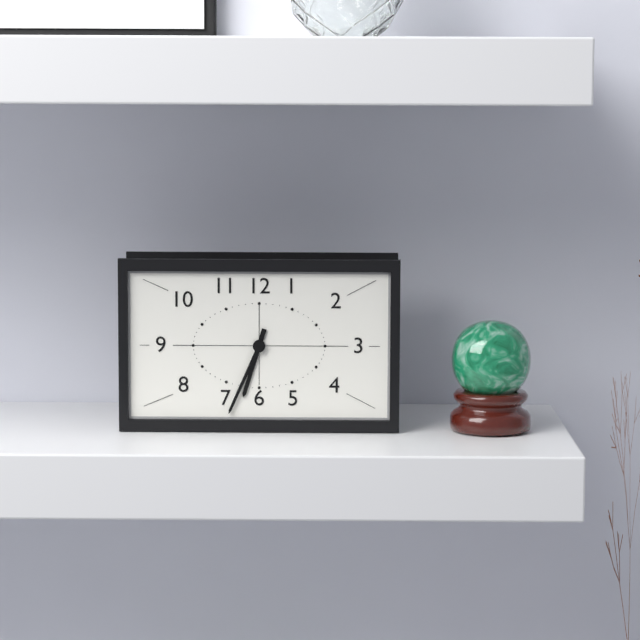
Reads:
h=6 m=34
